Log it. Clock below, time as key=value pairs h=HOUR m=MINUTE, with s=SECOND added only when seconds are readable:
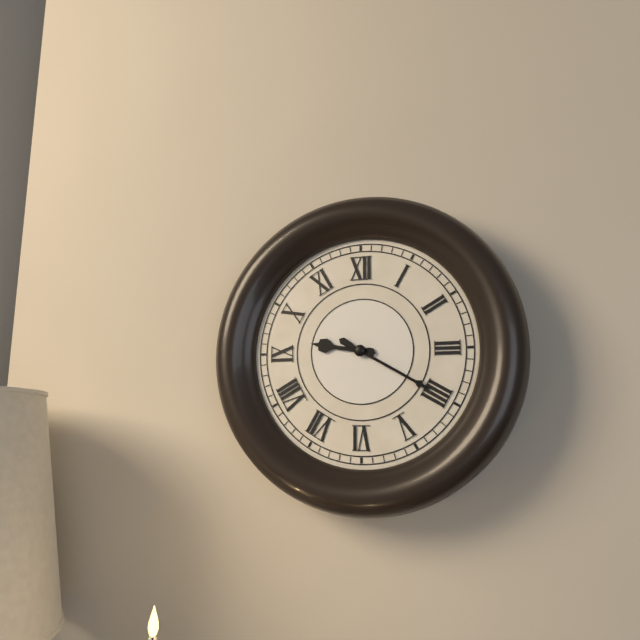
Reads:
h=9 m=20
